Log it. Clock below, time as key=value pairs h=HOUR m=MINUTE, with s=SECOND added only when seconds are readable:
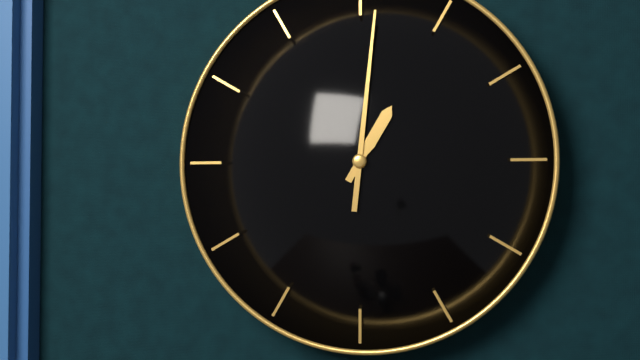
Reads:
h=1 m=1
